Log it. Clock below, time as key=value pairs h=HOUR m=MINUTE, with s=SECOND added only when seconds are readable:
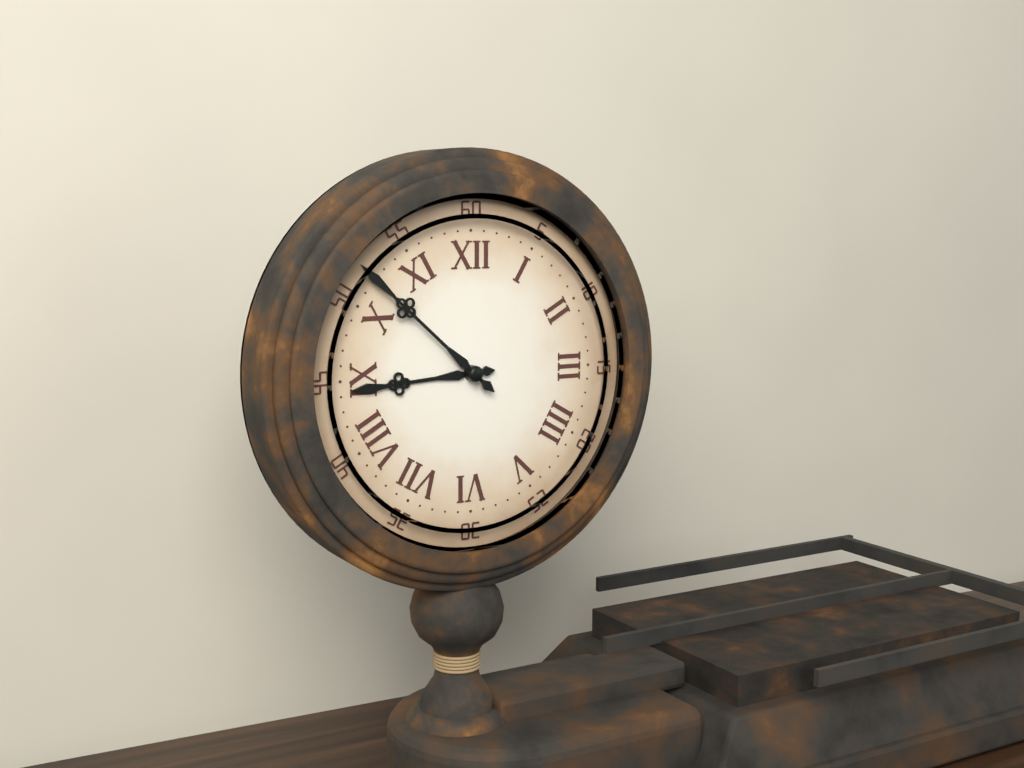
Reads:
h=8 m=52
